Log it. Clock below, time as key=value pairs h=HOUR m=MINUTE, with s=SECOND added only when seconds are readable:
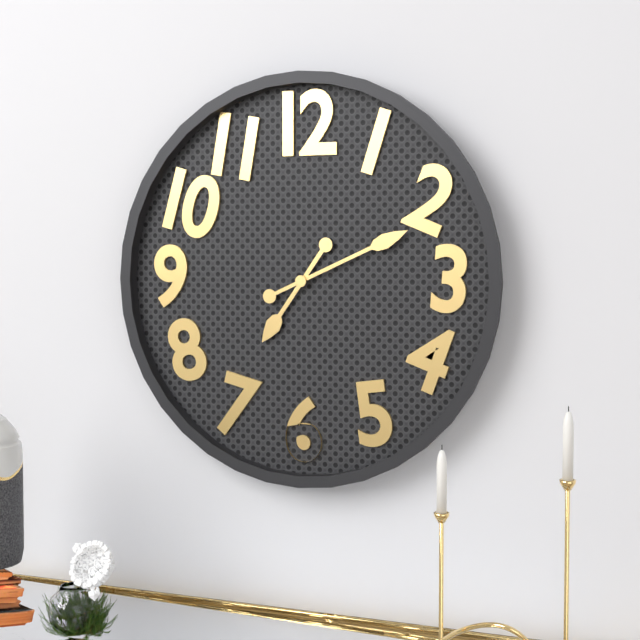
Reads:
h=7 m=11
